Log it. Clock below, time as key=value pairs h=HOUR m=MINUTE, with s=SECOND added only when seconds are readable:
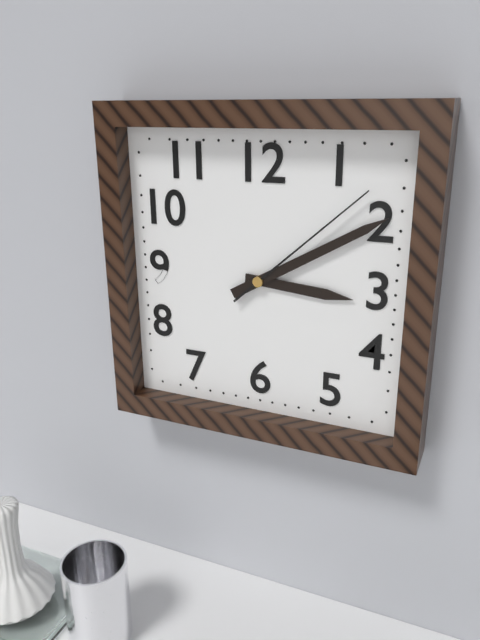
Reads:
h=3 m=10 s=8
